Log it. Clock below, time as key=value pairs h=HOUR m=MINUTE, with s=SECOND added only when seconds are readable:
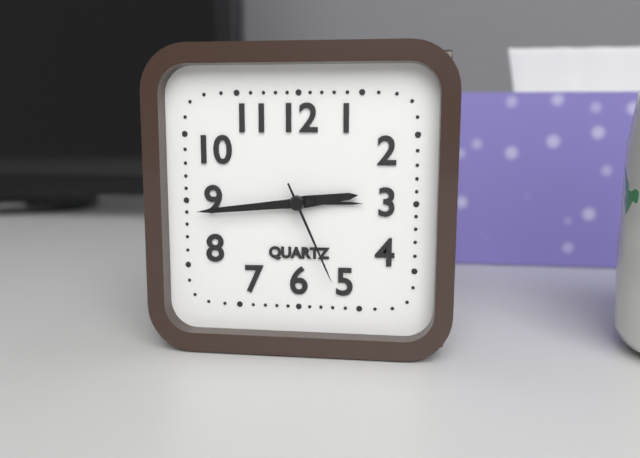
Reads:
h=2 m=44 s=26
